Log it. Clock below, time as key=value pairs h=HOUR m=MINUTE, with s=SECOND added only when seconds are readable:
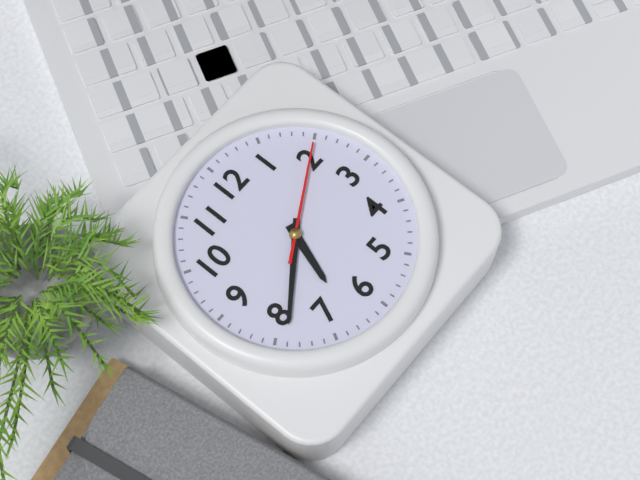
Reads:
h=6 m=39 s=10
